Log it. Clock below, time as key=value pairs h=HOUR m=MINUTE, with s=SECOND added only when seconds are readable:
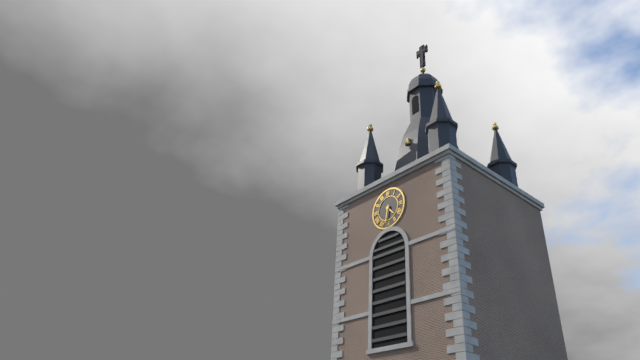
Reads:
h=4 m=32
